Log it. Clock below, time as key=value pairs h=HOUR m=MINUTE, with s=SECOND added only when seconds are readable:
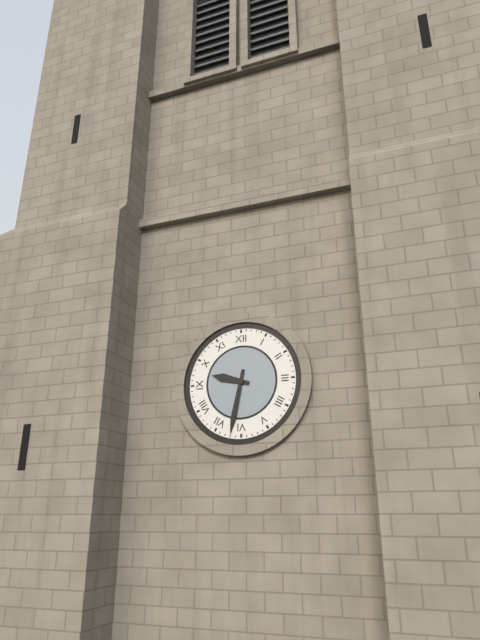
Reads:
h=9 m=32
